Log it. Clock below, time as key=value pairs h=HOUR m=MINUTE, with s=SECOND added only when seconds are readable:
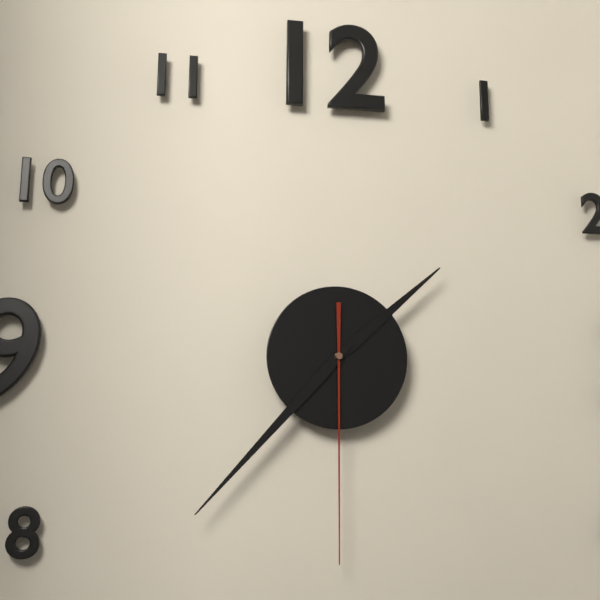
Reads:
h=1 m=37 s=30
